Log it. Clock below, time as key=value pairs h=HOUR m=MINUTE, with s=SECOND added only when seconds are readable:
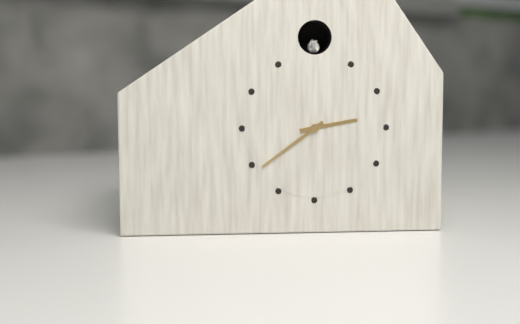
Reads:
h=2 m=39
